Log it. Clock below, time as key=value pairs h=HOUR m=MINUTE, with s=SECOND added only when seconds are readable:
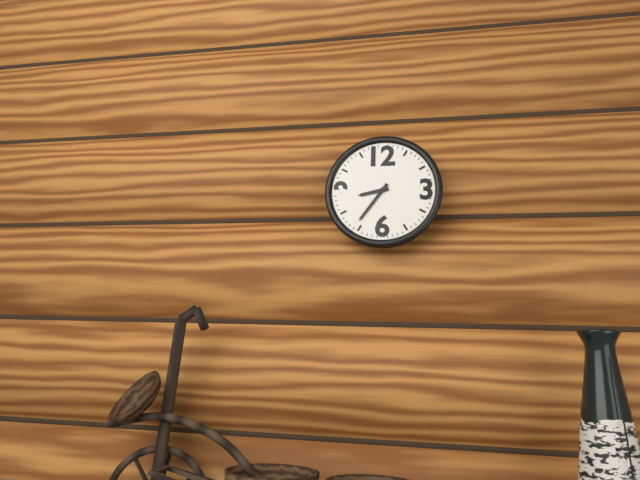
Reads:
h=8 m=36
